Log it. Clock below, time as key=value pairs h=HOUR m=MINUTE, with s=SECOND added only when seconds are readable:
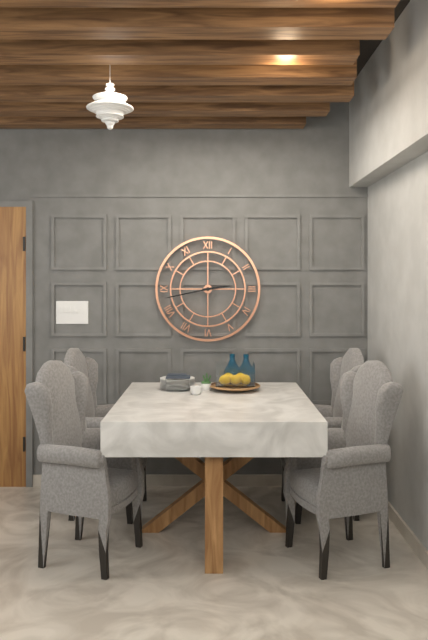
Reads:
h=2 m=43
